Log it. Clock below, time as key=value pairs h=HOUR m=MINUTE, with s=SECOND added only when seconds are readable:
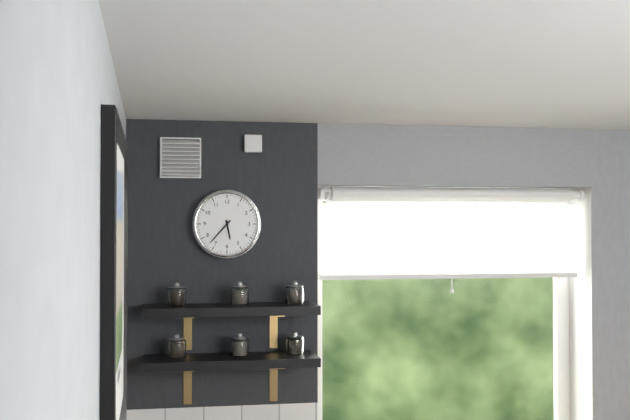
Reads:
h=5 m=37
